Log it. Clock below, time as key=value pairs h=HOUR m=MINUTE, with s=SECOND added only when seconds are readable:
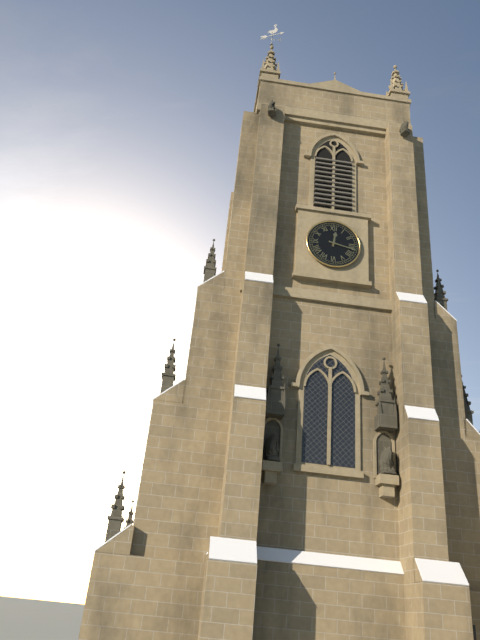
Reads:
h=12 m=17
